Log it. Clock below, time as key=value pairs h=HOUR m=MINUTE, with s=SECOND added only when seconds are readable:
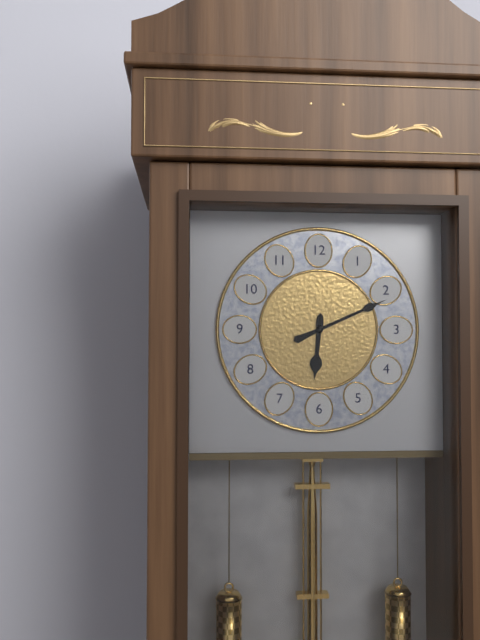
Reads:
h=6 m=11
